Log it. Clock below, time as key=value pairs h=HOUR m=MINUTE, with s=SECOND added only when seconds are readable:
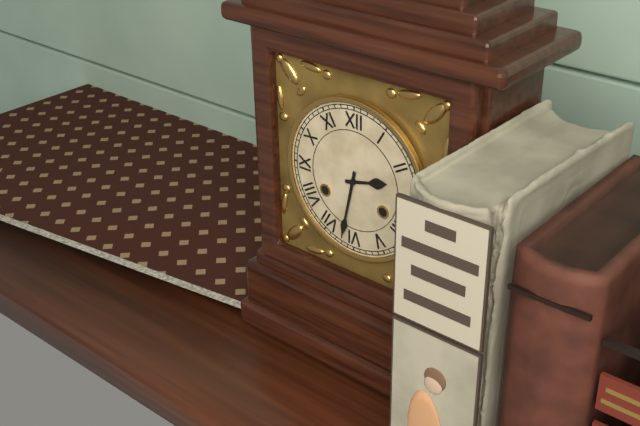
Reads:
h=2 m=32
